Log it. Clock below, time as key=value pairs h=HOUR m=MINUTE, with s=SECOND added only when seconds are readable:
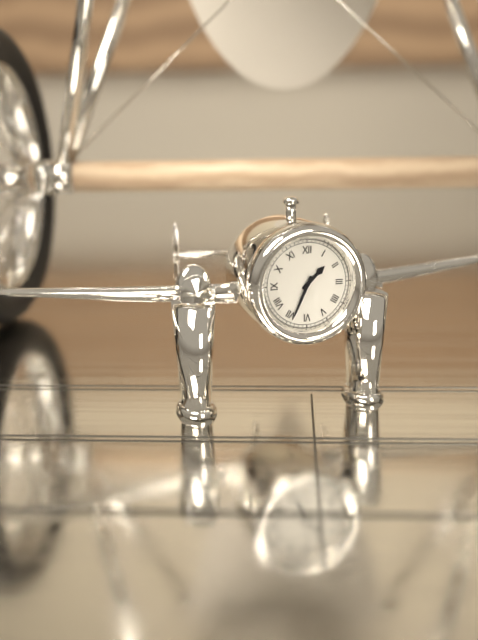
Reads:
h=1 m=34
